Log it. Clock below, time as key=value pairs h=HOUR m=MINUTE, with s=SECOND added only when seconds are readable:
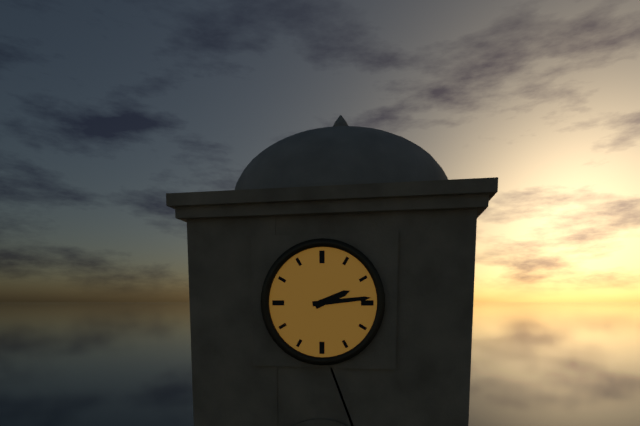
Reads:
h=2 m=14
